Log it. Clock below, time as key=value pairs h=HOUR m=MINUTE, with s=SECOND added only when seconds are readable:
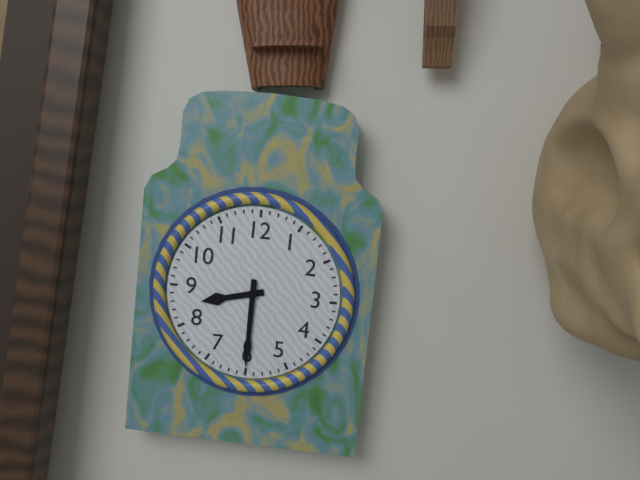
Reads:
h=8 m=30
